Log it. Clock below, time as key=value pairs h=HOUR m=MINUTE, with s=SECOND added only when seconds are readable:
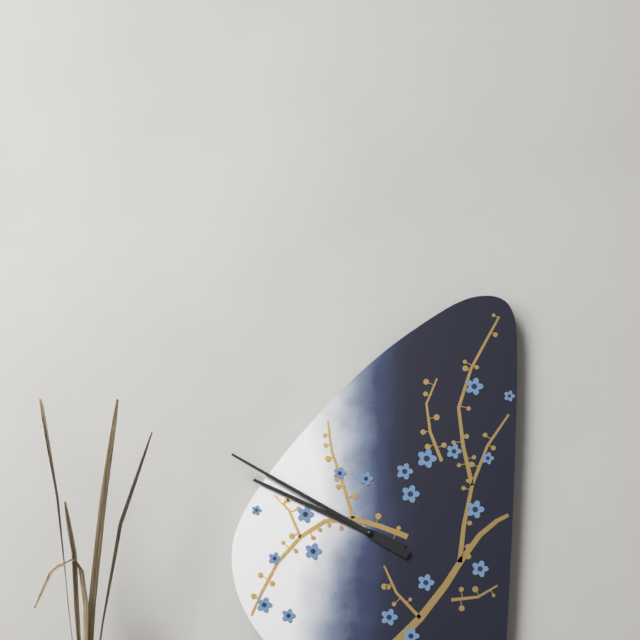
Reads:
h=9 m=50
